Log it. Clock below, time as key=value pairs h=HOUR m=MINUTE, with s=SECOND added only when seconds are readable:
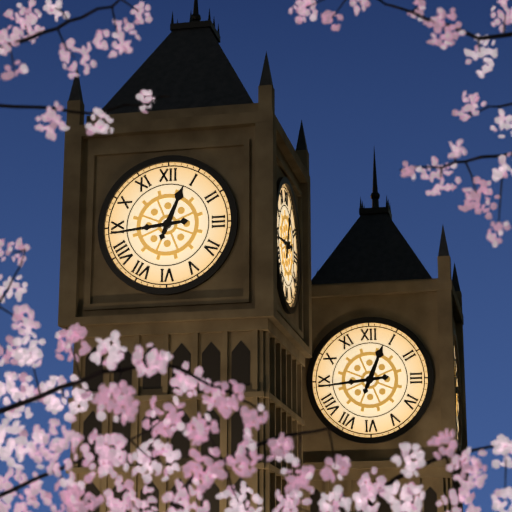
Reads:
h=12 m=44
